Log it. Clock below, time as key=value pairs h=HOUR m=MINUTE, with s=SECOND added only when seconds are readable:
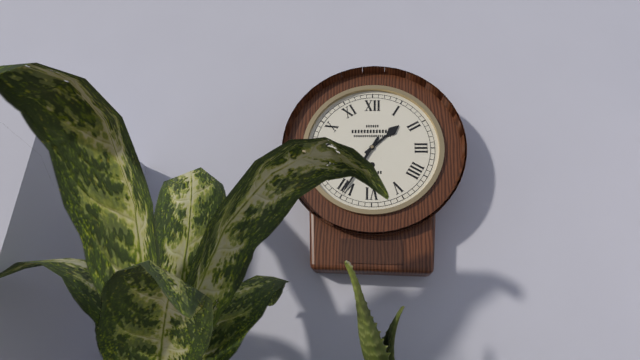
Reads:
h=1 m=35
